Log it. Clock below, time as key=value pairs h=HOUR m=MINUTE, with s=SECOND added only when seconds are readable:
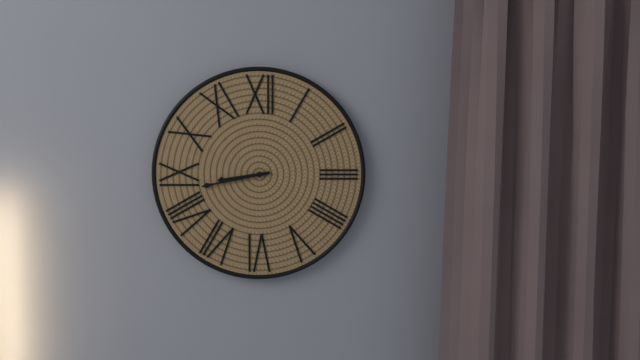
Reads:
h=8 m=43
